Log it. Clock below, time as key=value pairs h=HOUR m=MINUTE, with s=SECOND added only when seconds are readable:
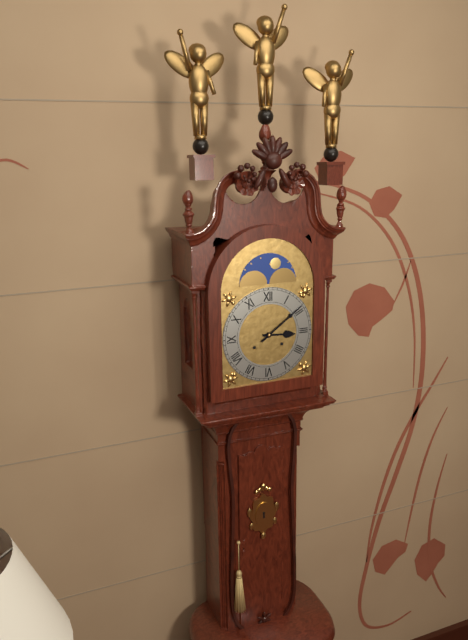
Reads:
h=3 m=9
